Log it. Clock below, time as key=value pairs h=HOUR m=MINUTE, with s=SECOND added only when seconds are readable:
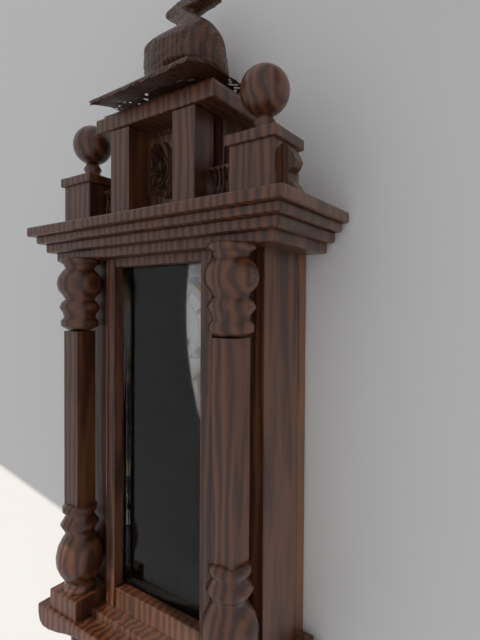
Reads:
h=11 m=33
